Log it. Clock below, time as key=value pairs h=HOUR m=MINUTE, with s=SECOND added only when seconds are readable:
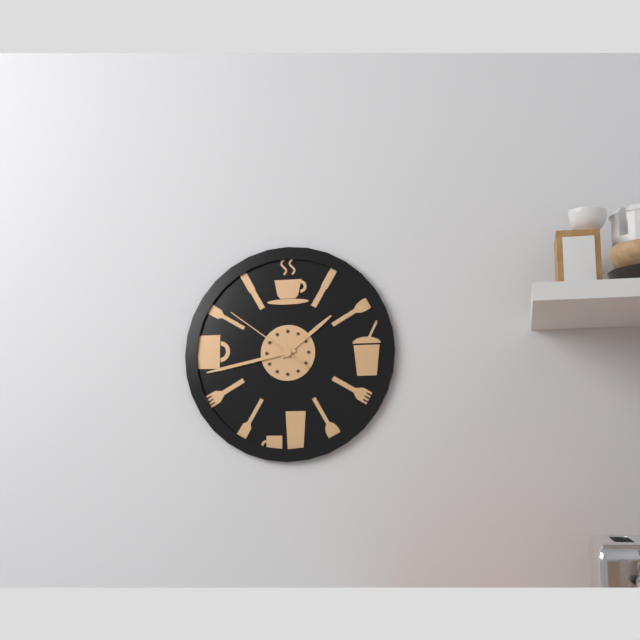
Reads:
h=1 m=43 s=51
